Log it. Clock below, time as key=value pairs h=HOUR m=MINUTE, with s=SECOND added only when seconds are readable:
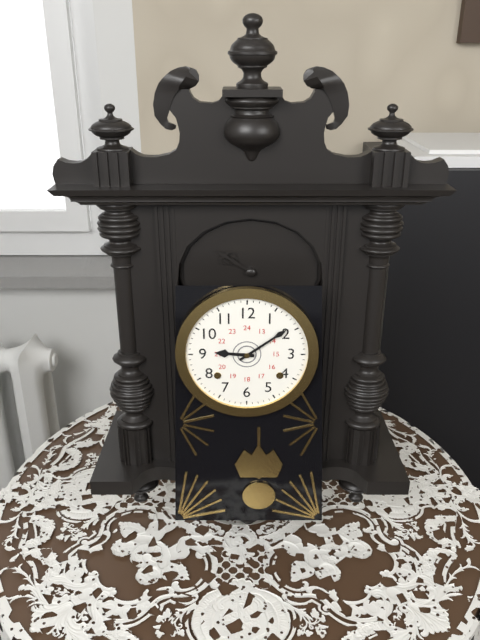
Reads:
h=9 m=9
